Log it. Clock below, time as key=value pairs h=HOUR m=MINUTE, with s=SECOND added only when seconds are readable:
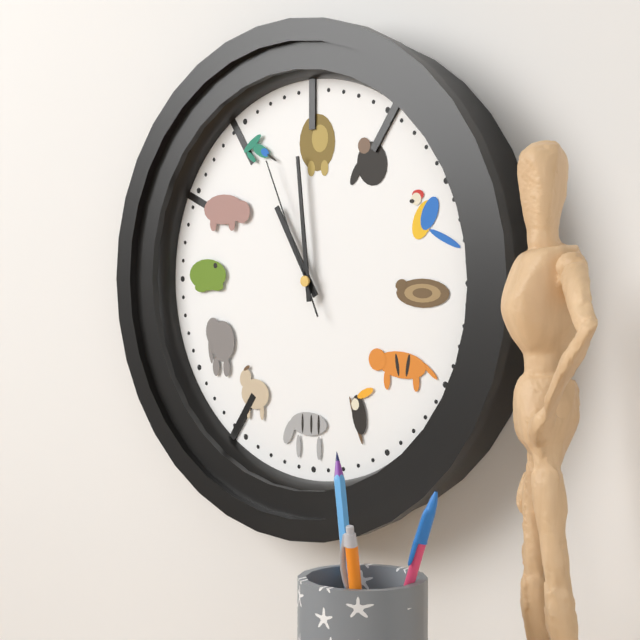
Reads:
h=10 m=59 s=56
